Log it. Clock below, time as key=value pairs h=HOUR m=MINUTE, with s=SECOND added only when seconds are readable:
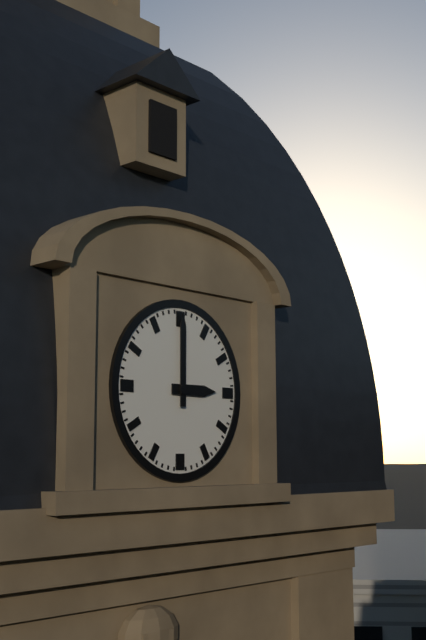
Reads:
h=3 m=0
